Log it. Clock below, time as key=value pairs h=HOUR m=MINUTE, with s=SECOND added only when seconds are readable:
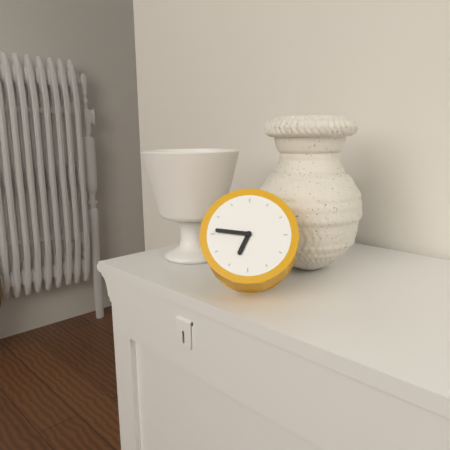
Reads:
h=6 m=46
